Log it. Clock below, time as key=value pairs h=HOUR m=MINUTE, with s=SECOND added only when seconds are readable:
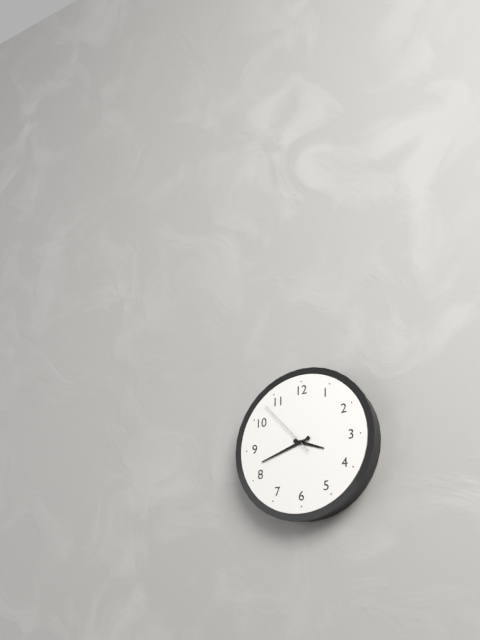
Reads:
h=3 m=42 s=53
